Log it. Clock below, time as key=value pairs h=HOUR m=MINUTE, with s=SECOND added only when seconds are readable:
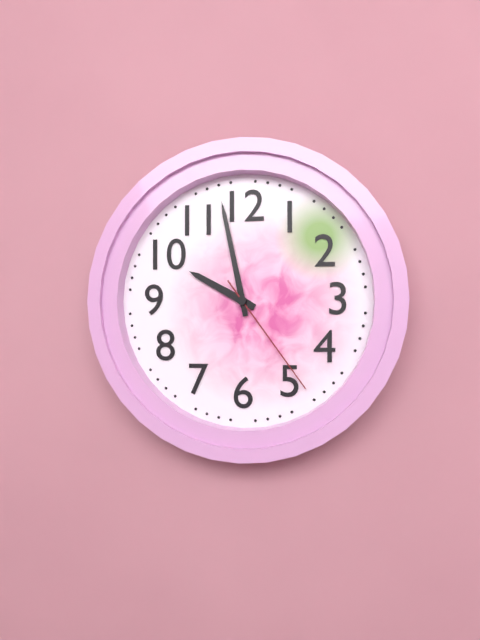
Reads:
h=9 m=58 s=24
